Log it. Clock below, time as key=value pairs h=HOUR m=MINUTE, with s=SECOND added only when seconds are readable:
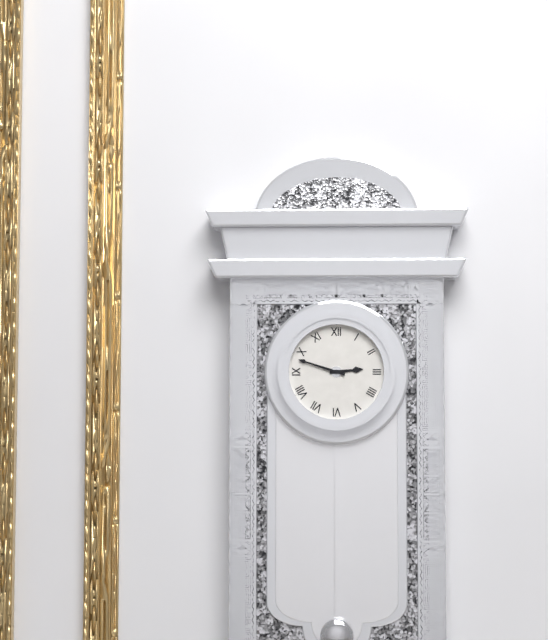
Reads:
h=2 m=48
